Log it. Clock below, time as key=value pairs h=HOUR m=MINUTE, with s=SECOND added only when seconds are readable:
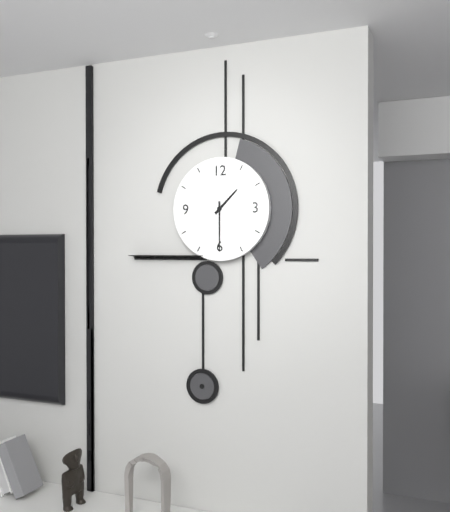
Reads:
h=1 m=30
